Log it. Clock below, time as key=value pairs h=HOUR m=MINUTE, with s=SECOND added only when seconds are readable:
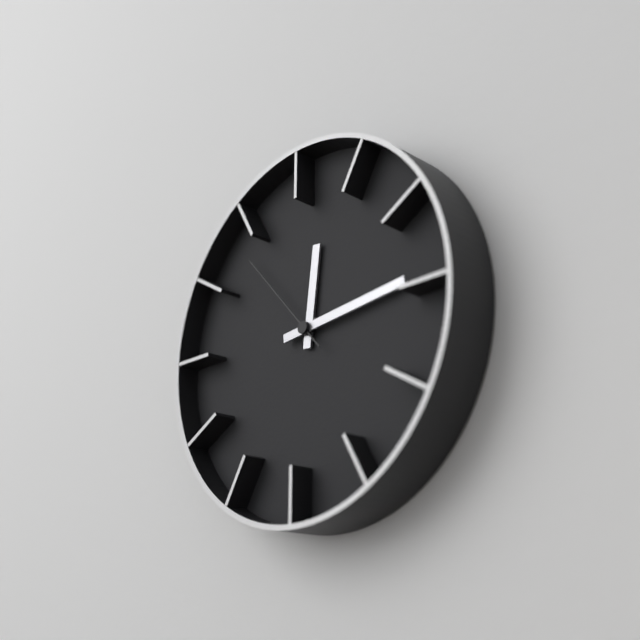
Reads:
h=12 m=14 s=53
